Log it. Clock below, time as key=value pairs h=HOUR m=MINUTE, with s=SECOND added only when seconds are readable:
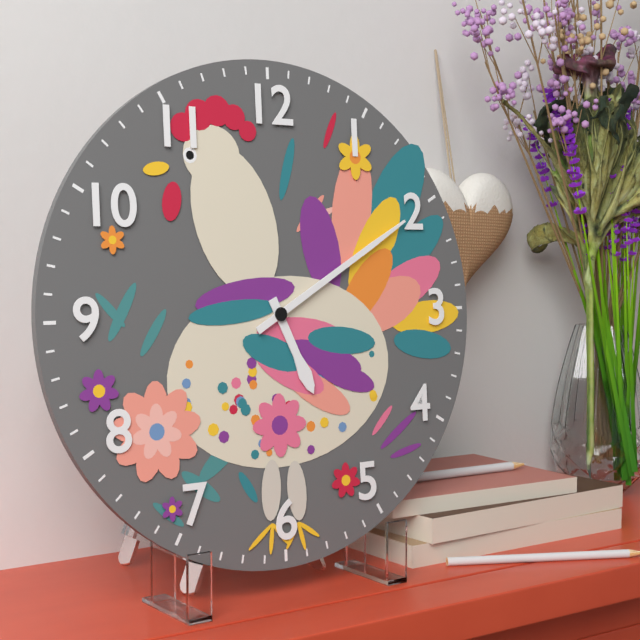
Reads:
h=5 m=10
